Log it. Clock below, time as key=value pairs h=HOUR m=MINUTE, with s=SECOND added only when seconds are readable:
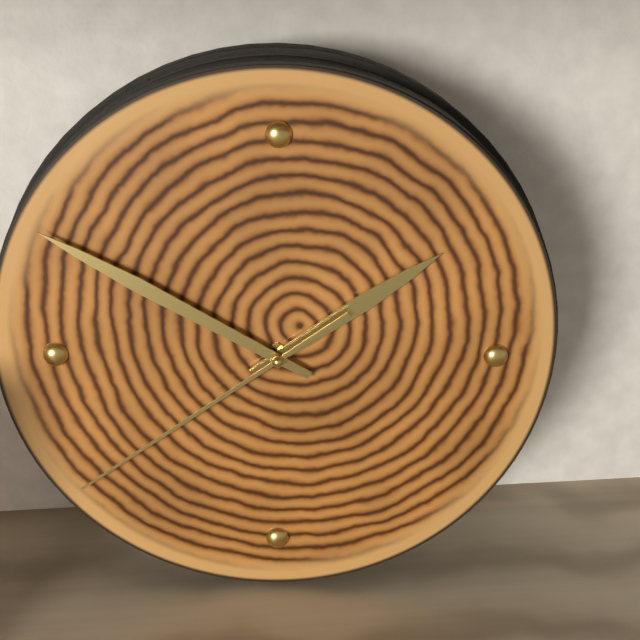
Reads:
h=1 m=50 s=39
